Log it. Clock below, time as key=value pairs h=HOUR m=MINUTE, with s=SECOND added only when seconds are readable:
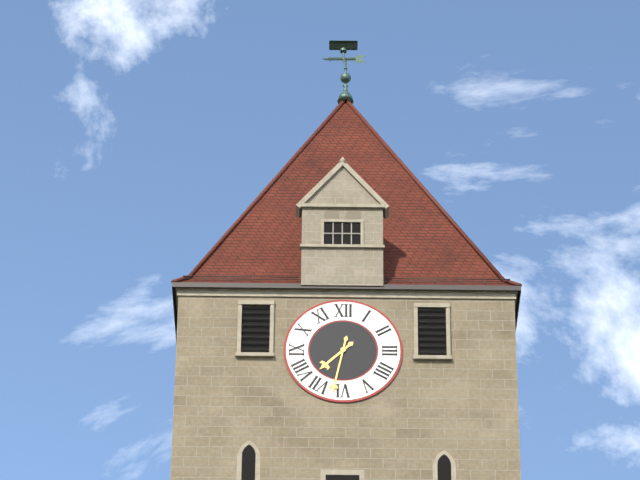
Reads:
h=7 m=32
